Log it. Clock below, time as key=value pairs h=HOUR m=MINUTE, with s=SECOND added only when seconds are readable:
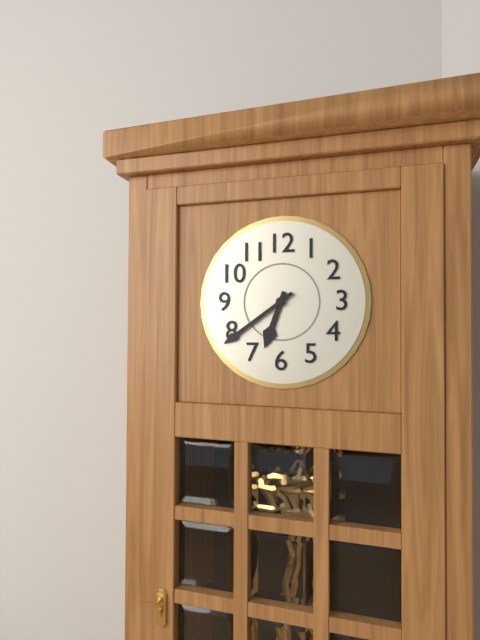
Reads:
h=6 m=39
